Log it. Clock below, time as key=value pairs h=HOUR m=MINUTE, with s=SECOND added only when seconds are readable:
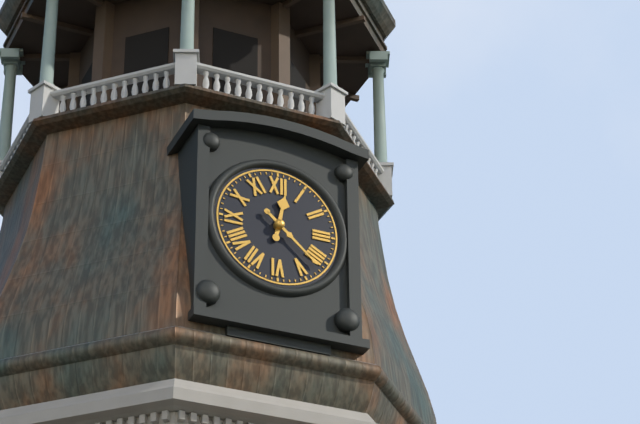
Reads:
h=12 m=22
